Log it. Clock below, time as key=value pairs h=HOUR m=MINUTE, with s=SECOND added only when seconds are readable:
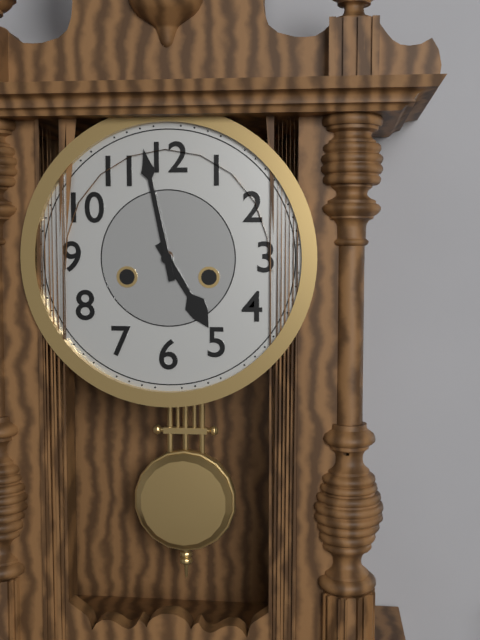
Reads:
h=4 m=58
